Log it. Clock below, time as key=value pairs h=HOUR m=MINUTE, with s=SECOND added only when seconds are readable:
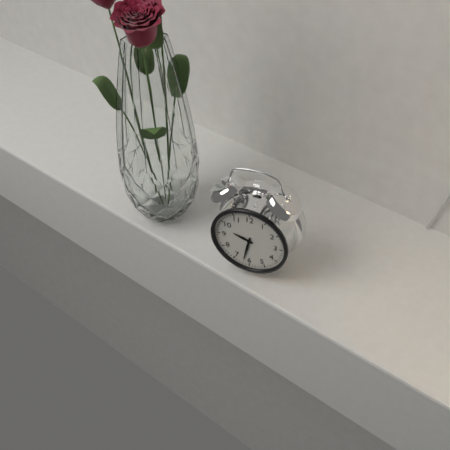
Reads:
h=9 m=32
